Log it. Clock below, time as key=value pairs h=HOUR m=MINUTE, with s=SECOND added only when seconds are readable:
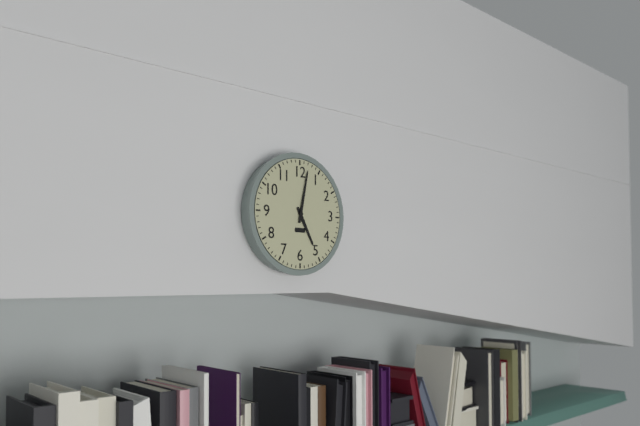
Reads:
h=5 m=2
